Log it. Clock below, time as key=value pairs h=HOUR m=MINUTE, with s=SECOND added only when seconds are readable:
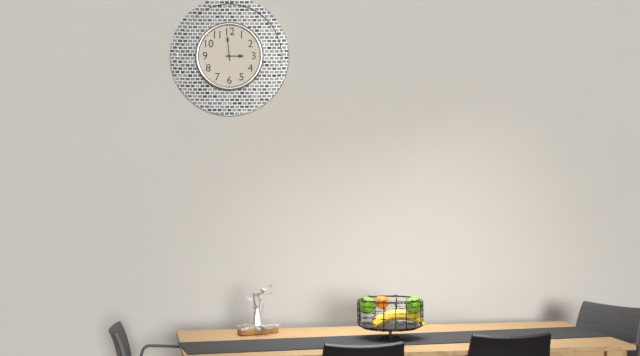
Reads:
h=2 m=59
